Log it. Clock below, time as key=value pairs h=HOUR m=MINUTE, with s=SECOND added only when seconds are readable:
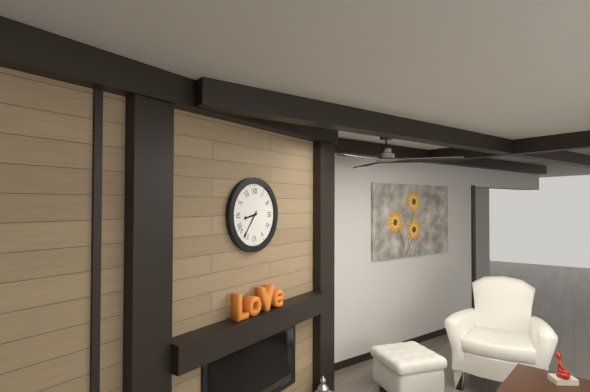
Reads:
h=8 m=36
